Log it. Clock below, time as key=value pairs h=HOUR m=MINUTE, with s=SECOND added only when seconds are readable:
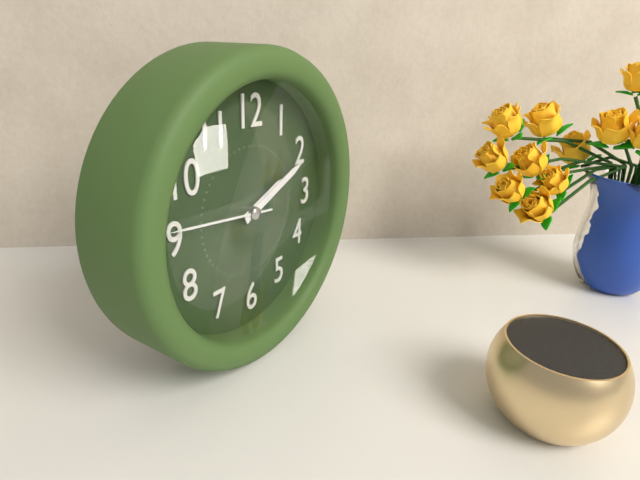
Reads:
h=2 m=11 s=46
